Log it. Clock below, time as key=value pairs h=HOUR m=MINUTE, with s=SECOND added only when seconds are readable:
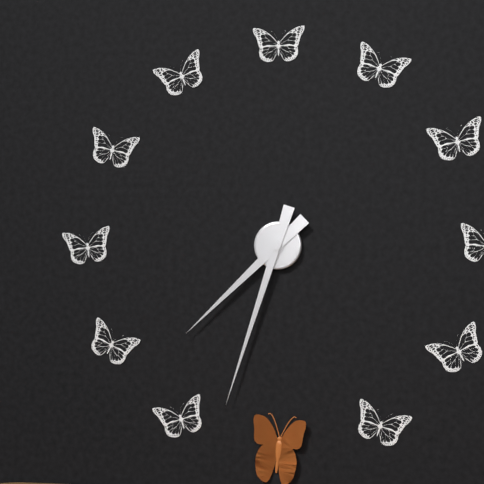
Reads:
h=7 m=33
